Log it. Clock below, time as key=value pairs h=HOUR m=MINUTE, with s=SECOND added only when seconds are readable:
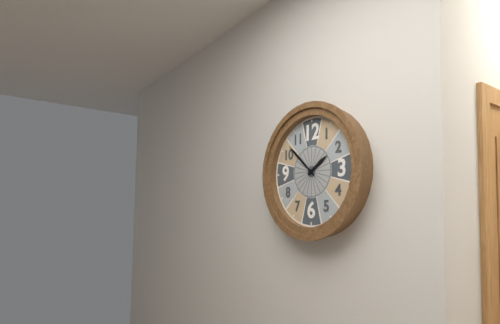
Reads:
h=1 m=52
